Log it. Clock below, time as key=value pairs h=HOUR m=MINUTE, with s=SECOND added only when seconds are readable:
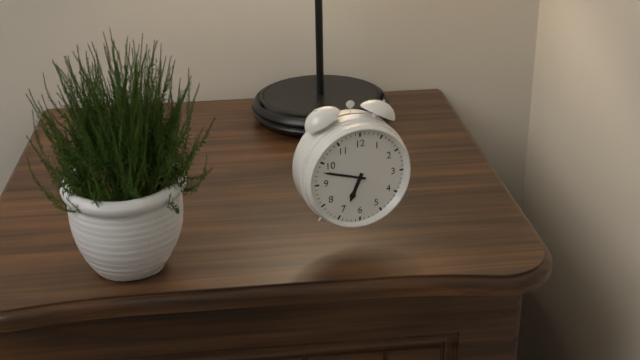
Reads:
h=6 m=48
